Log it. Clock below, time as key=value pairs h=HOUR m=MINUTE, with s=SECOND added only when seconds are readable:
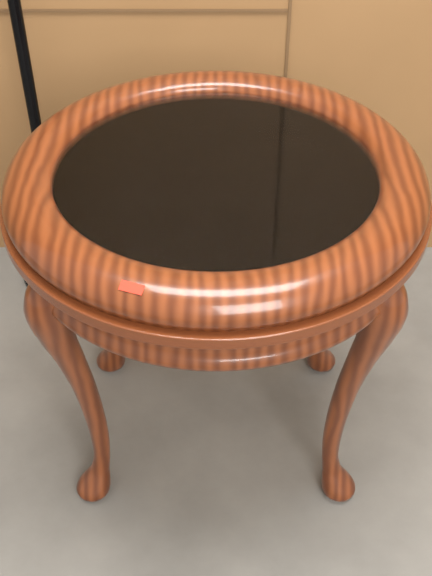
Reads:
h=11 m=15
